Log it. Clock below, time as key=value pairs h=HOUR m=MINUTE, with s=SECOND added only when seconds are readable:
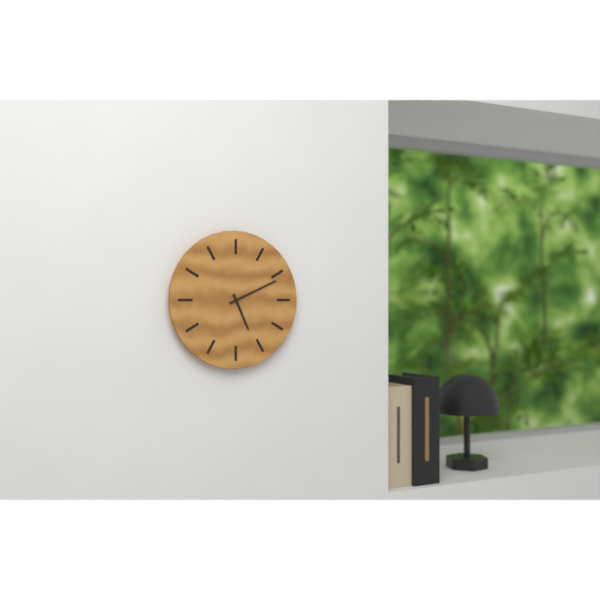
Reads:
h=5 m=11
